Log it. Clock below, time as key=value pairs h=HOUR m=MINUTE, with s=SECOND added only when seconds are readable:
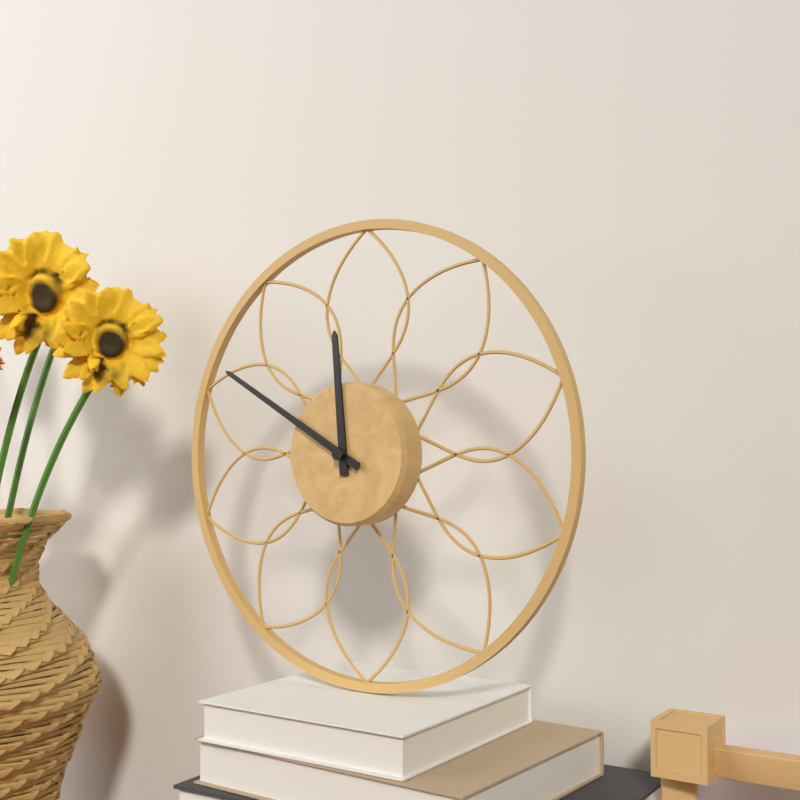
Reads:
h=11 m=50
